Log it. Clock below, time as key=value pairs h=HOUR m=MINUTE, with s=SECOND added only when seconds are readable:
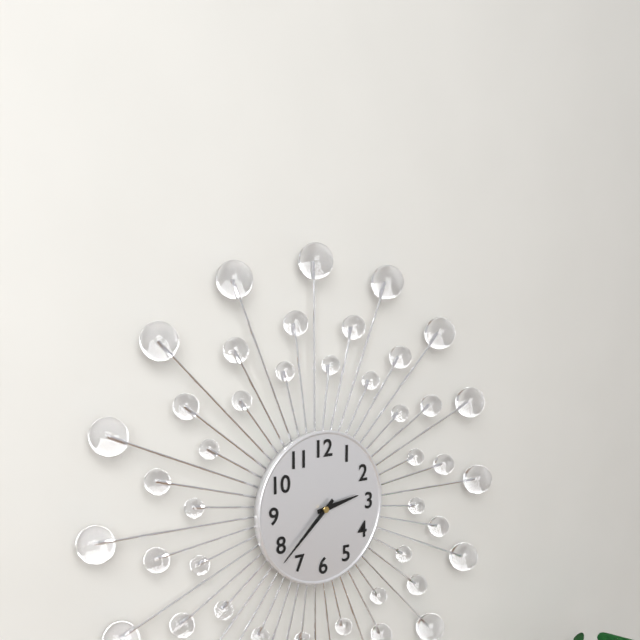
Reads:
h=2 m=38
